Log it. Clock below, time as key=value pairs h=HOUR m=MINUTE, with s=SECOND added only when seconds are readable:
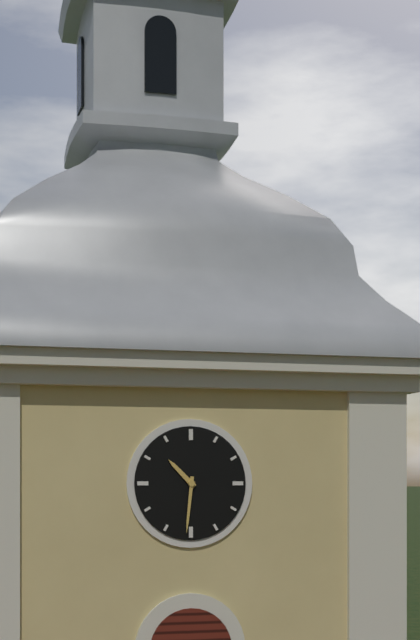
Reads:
h=10 m=31
